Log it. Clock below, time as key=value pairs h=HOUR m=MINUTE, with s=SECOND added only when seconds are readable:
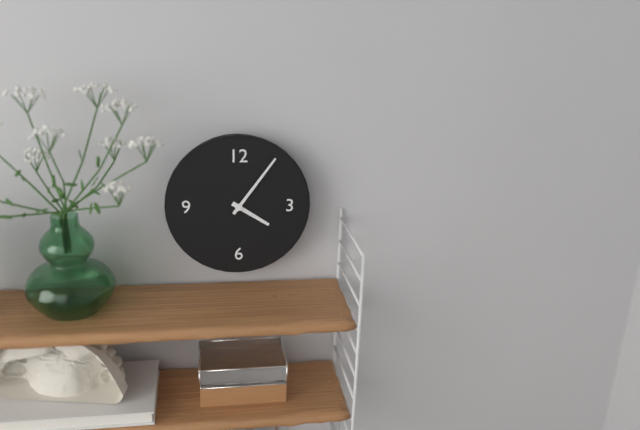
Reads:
h=4 m=6
